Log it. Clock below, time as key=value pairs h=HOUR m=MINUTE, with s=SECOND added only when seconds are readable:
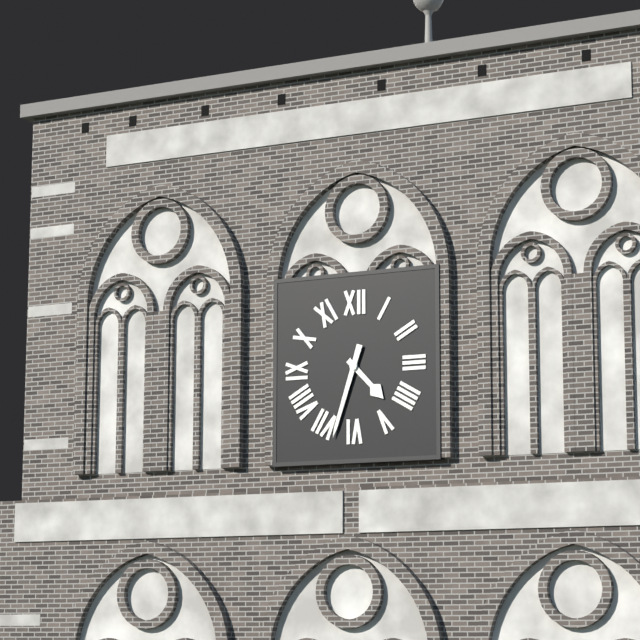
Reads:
h=4 m=33
